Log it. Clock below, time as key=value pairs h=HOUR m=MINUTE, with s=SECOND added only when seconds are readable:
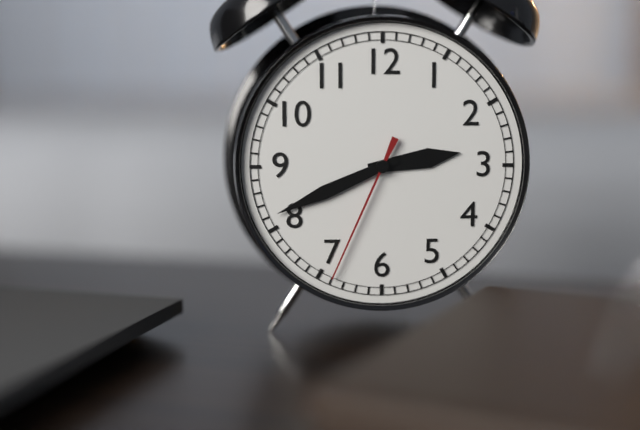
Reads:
h=2 m=41 s=34
